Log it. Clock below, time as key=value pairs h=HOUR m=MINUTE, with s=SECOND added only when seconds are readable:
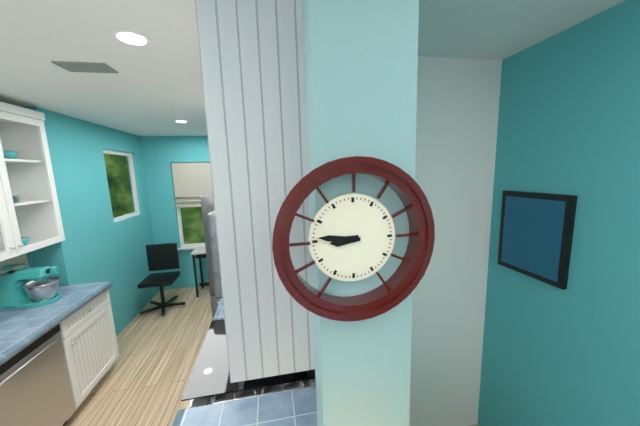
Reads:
h=8 m=46
